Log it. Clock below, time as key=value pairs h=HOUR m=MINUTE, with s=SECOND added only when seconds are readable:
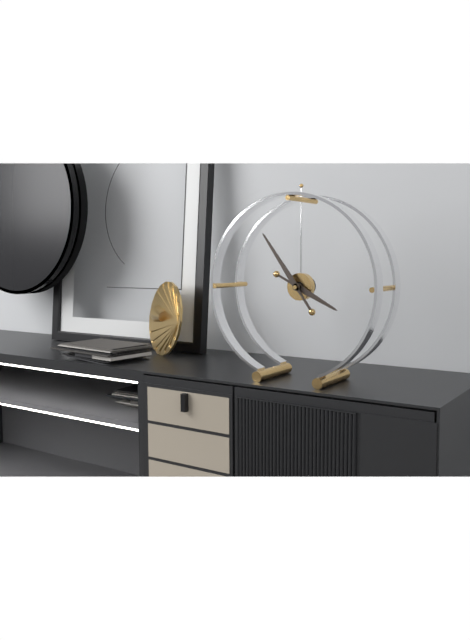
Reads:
h=3 m=54
